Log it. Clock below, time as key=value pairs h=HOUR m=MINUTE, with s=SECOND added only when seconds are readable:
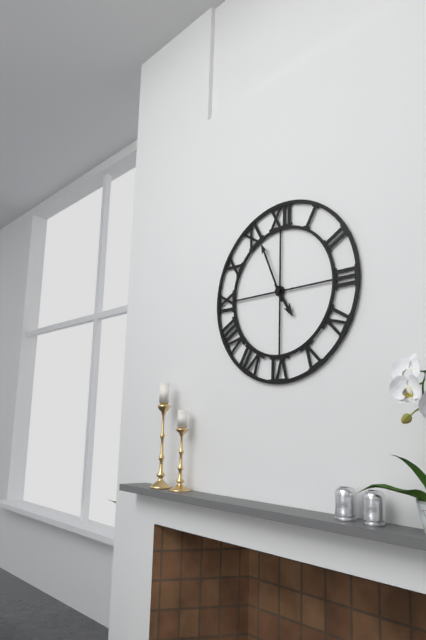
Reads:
h=4 m=56
